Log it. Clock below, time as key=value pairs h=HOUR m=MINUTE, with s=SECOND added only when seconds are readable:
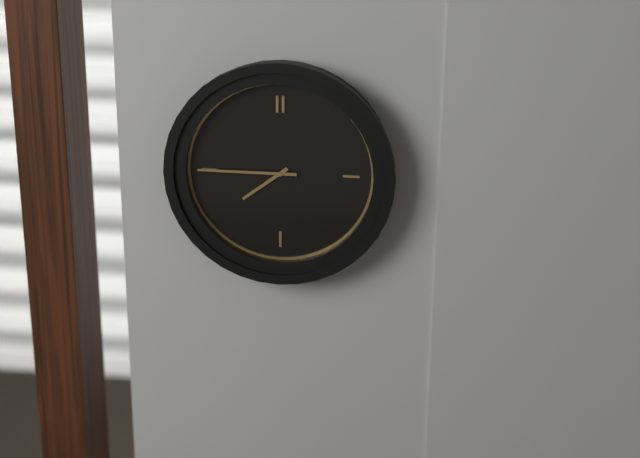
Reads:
h=7 m=45
